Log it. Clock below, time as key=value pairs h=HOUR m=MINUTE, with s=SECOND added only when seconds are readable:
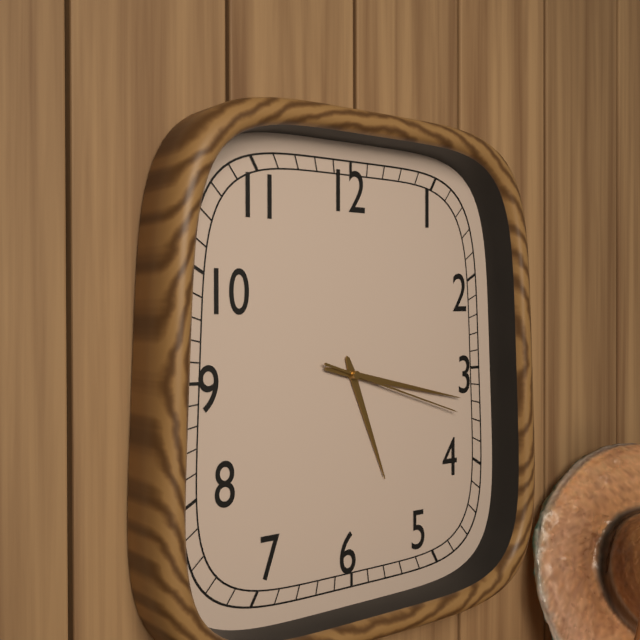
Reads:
h=5 m=17 s=18
